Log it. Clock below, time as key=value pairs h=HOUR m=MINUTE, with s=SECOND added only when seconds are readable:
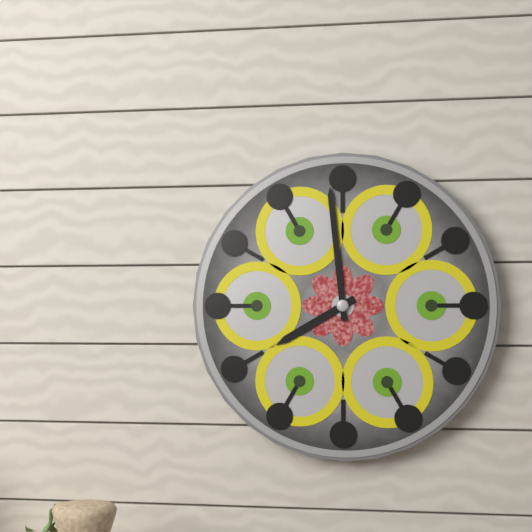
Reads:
h=7 m=59
